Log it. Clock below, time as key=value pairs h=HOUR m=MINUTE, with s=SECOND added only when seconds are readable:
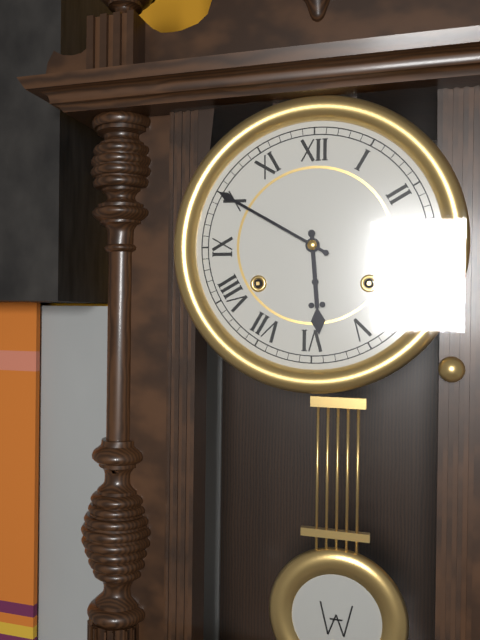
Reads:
h=5 m=50
